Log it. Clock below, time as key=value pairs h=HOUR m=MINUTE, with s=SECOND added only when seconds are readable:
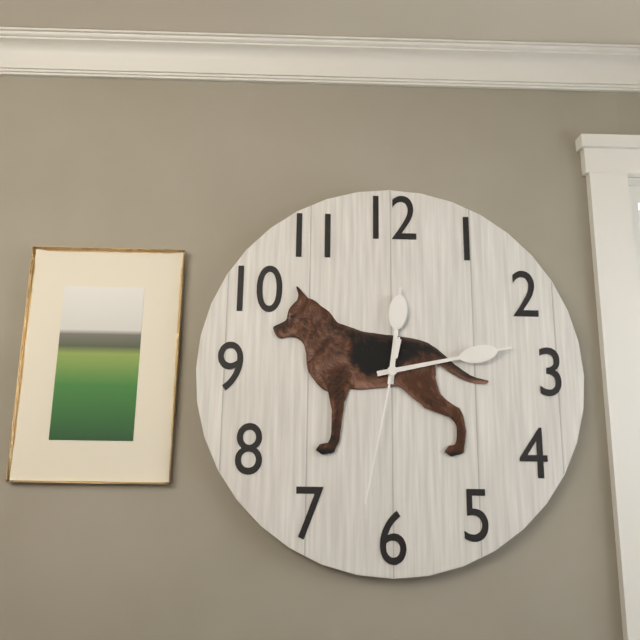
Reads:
h=12 m=13 s=32
